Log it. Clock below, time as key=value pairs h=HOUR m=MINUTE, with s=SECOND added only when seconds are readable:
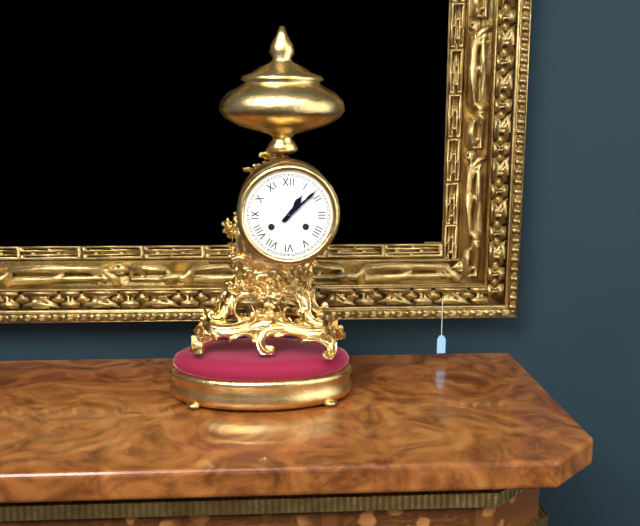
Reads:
h=1 m=8
